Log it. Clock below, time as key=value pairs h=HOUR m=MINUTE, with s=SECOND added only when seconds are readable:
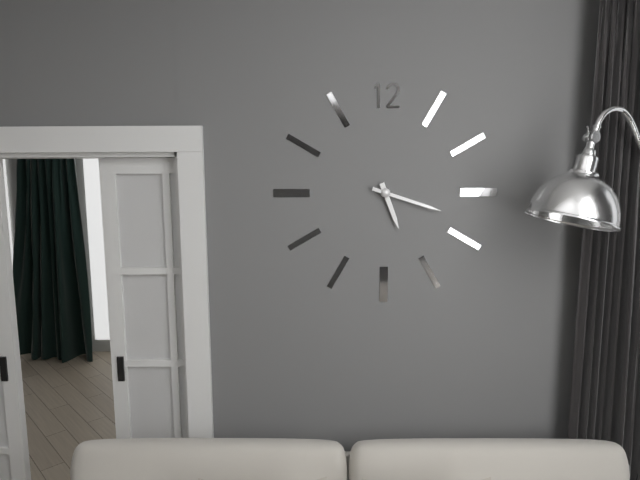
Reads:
h=5 m=18
